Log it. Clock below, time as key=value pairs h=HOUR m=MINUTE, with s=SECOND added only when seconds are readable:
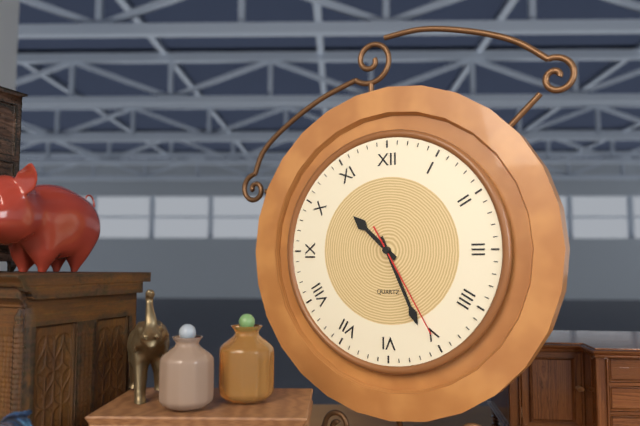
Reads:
h=10 m=26 s=25
